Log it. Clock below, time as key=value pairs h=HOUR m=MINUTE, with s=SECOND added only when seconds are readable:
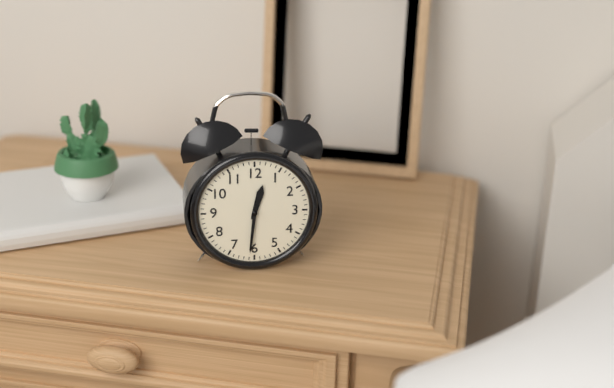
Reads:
h=12 m=31
